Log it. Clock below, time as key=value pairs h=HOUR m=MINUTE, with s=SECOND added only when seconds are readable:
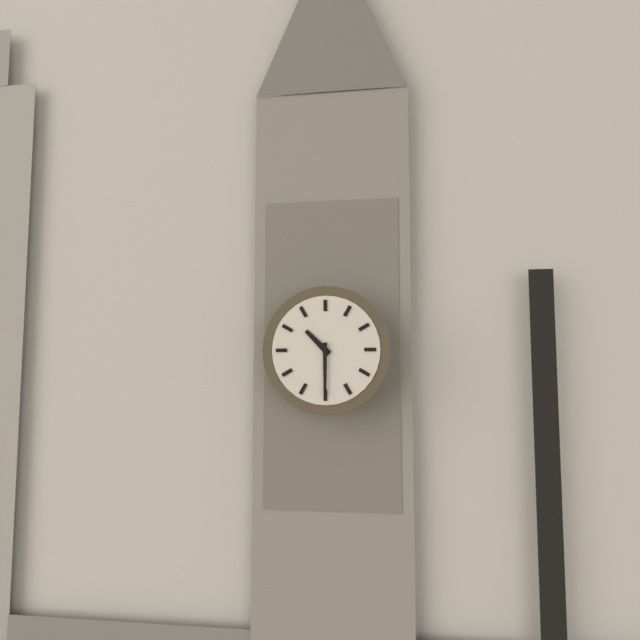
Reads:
h=10 m=30
